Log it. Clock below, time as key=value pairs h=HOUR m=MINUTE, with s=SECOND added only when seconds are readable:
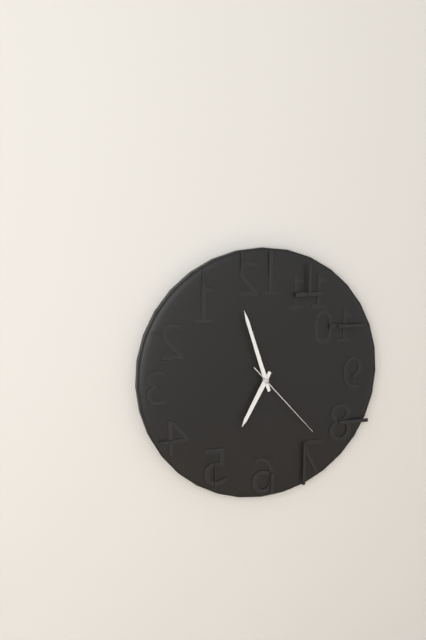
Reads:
h=6 m=57 s=23
